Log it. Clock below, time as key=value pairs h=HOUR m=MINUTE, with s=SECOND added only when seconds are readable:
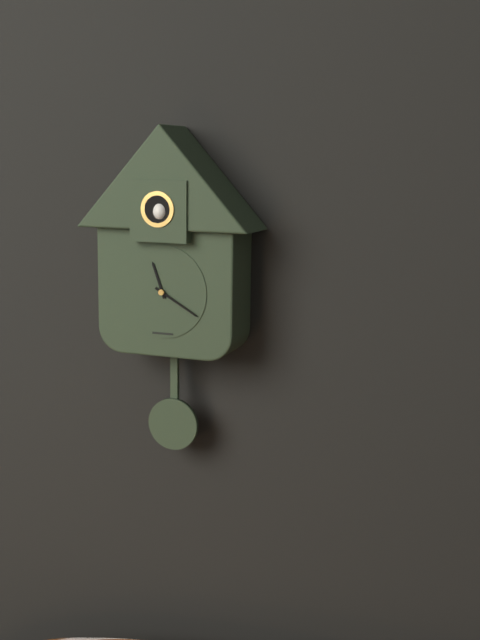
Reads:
h=11 m=20
